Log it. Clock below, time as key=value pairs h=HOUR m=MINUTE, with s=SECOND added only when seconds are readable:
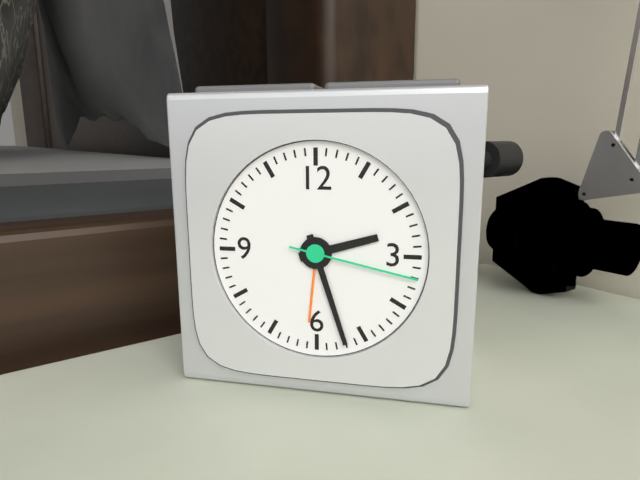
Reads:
h=2 m=27 s=17
